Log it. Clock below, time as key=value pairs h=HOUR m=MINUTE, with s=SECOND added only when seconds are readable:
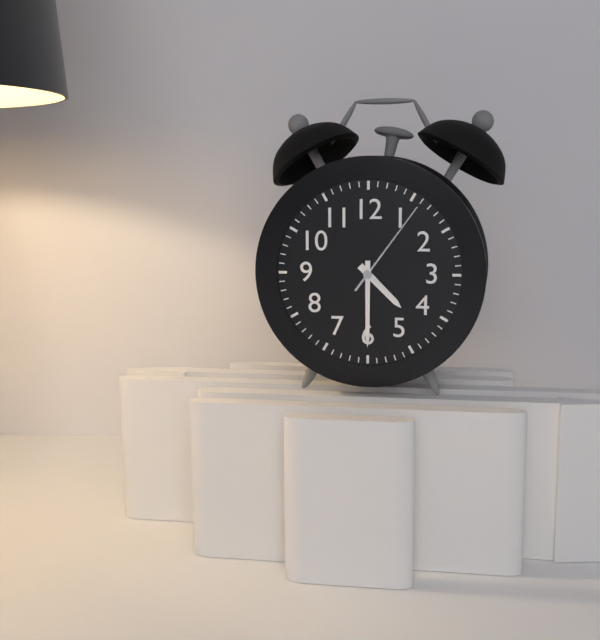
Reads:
h=4 m=30 s=6
